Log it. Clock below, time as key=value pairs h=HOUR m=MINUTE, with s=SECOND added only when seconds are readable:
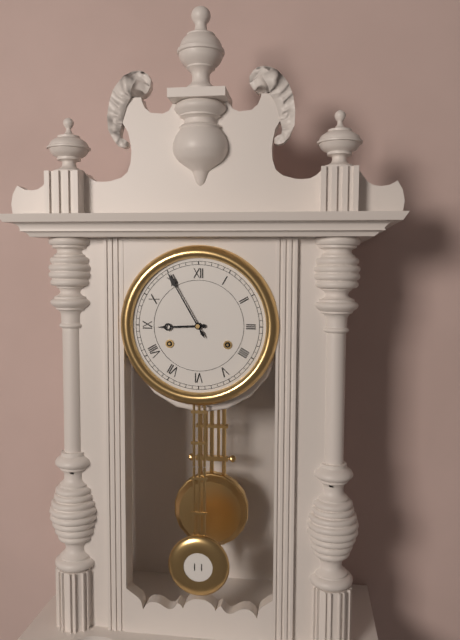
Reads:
h=8 m=55
